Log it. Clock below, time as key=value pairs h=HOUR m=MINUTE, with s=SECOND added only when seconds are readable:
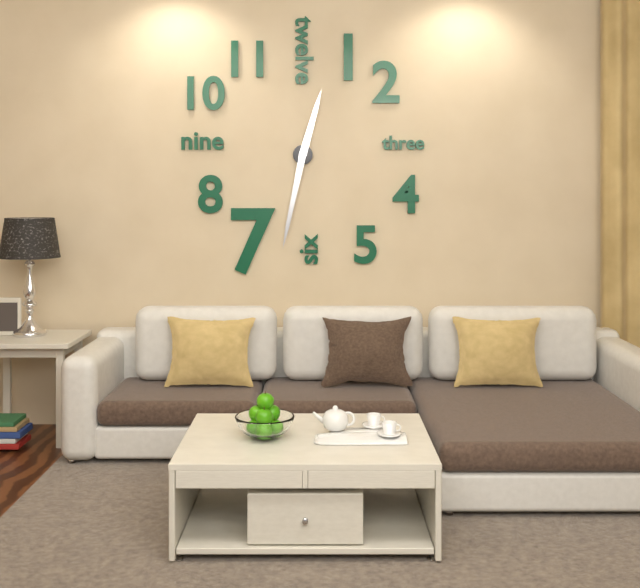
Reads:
h=12 m=32
